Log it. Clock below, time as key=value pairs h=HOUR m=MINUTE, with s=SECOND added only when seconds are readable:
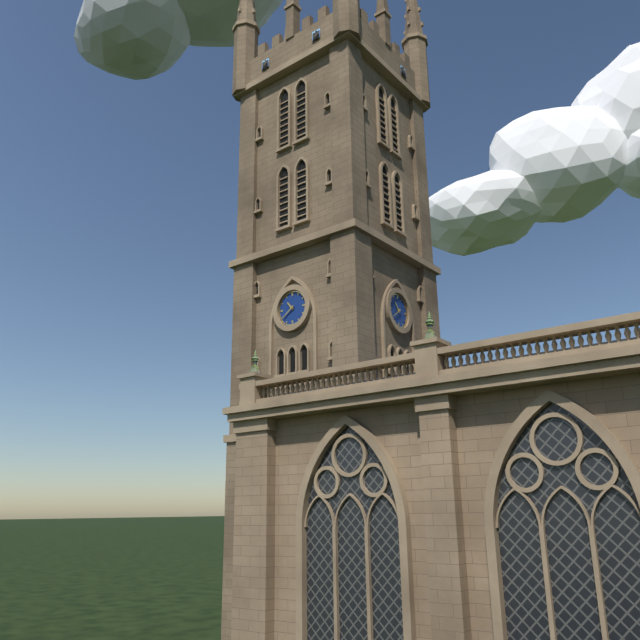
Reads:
h=10 m=39
